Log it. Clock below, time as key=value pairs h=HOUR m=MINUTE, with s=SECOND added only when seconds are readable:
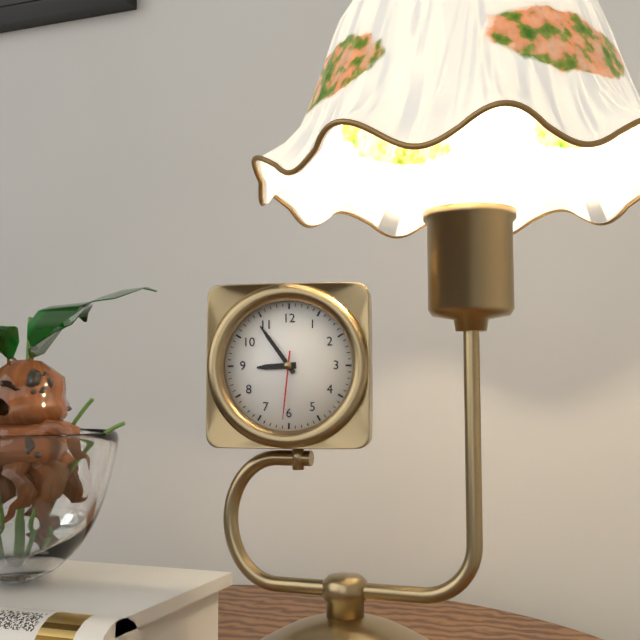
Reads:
h=8 m=54 s=31
